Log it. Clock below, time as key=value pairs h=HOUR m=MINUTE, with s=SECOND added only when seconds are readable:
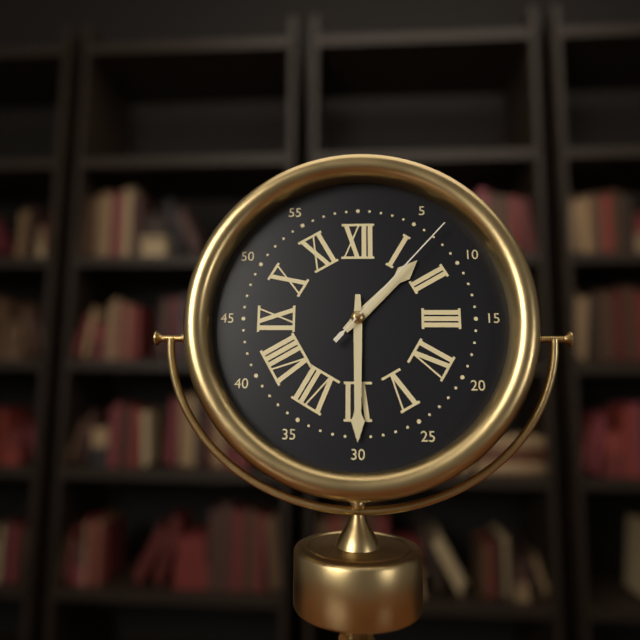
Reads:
h=1 m=30 s=7
